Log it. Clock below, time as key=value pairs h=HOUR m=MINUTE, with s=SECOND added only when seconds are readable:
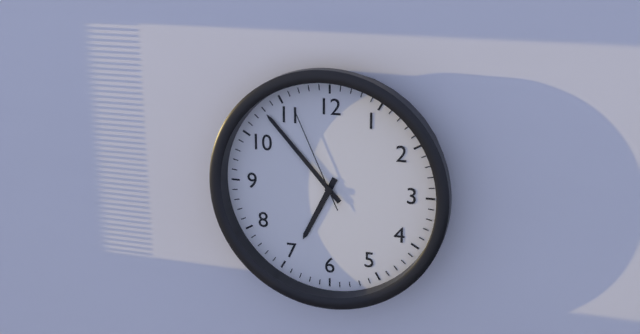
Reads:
h=6 m=53 s=56
